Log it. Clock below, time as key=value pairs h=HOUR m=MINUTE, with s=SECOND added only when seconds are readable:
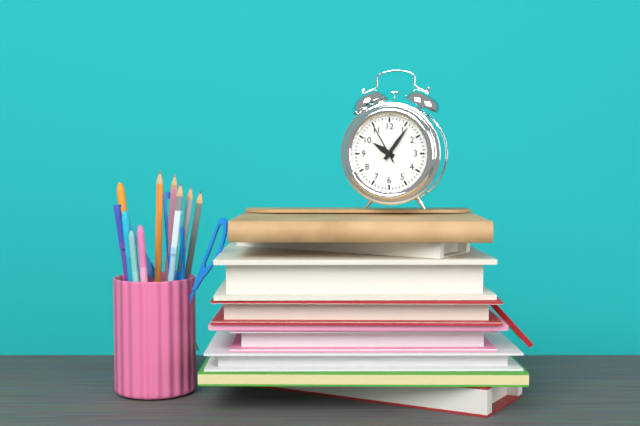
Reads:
h=10 m=6
